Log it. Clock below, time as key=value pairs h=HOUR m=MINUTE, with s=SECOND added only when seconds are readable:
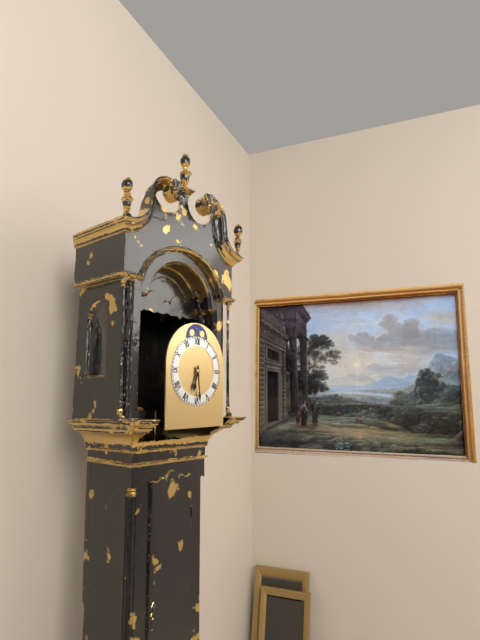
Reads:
h=6 m=29
